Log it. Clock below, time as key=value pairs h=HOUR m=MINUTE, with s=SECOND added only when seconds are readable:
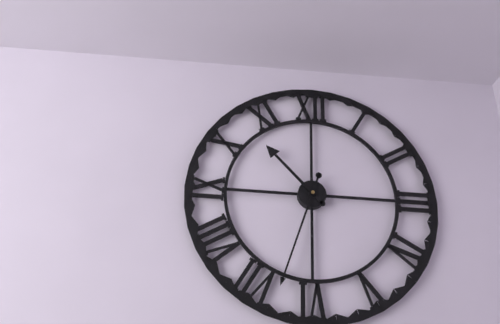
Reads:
h=10 m=33
